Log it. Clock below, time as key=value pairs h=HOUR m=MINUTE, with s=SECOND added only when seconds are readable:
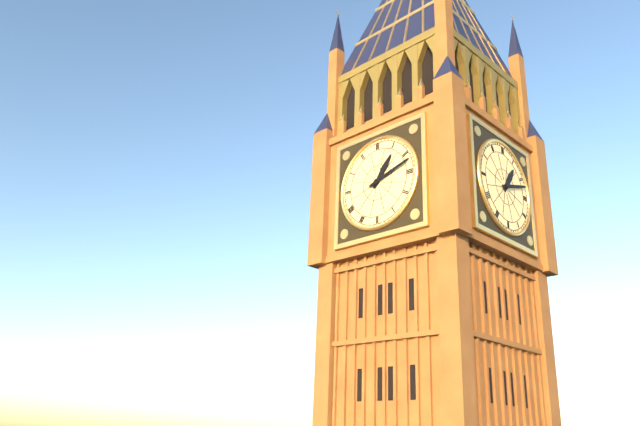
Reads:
h=1 m=12
